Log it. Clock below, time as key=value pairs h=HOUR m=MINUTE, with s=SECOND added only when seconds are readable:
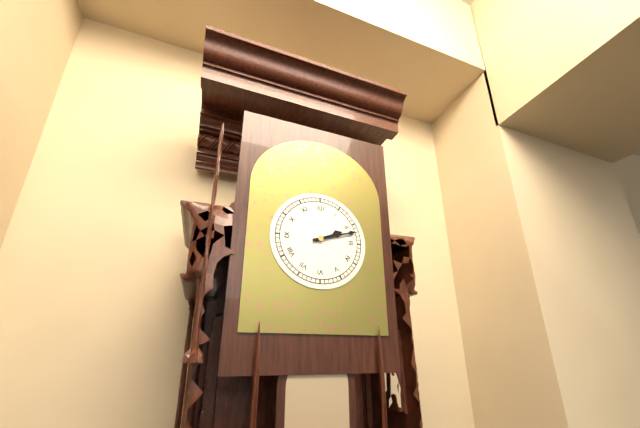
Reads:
h=2 m=12
